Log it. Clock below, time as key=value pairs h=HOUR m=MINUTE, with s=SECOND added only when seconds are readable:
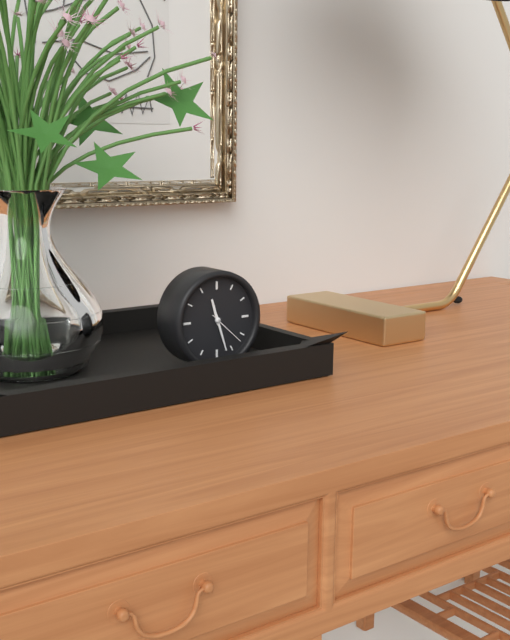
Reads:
h=11 m=27
